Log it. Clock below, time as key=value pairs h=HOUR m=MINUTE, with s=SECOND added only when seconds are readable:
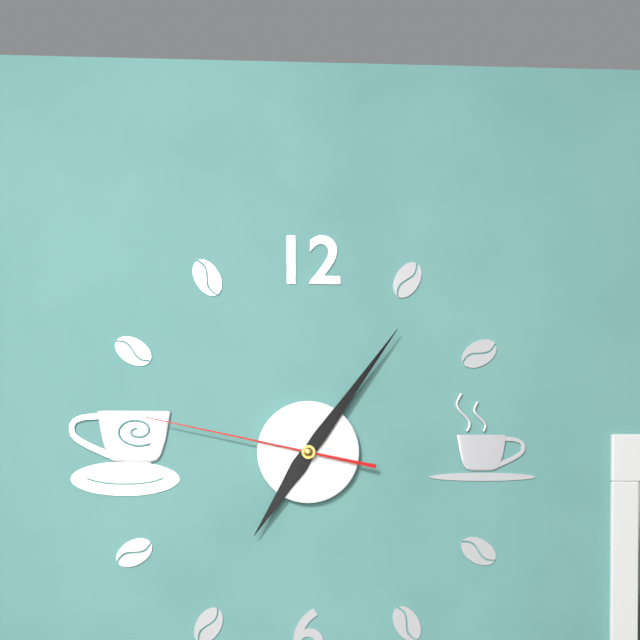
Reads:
h=7 m=6 s=47
